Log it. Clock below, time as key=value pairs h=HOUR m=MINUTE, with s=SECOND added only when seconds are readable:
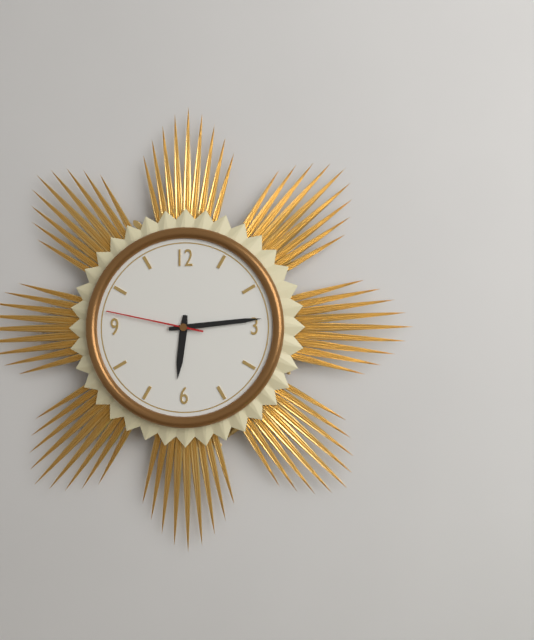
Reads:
h=6 m=14 s=47
